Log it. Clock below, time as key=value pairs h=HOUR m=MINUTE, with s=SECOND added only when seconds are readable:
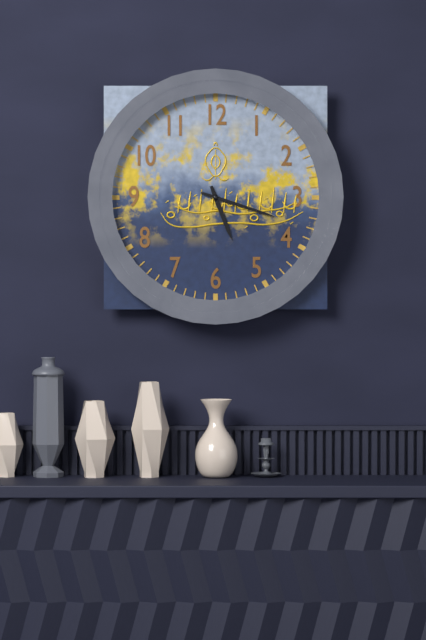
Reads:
h=5 m=18
